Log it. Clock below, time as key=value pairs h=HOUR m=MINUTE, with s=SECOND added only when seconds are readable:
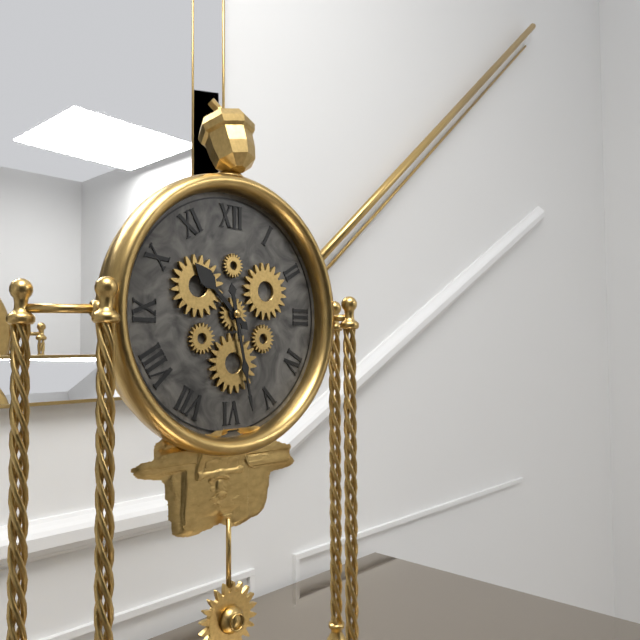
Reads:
h=10 m=28
